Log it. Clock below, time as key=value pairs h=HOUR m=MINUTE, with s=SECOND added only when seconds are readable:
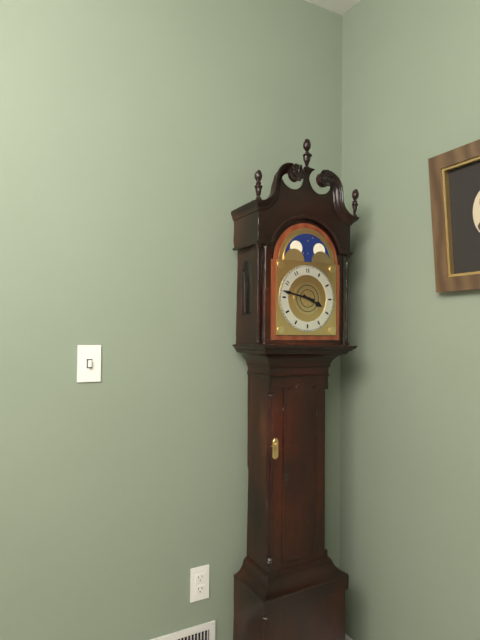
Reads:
h=3 m=47
